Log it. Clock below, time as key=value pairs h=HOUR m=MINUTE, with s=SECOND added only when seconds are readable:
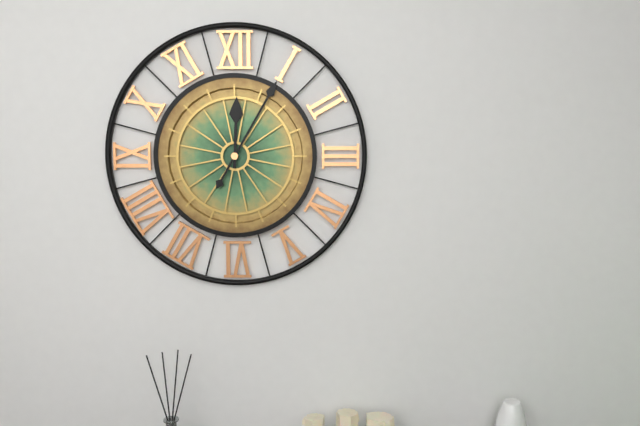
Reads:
h=12 m=5
